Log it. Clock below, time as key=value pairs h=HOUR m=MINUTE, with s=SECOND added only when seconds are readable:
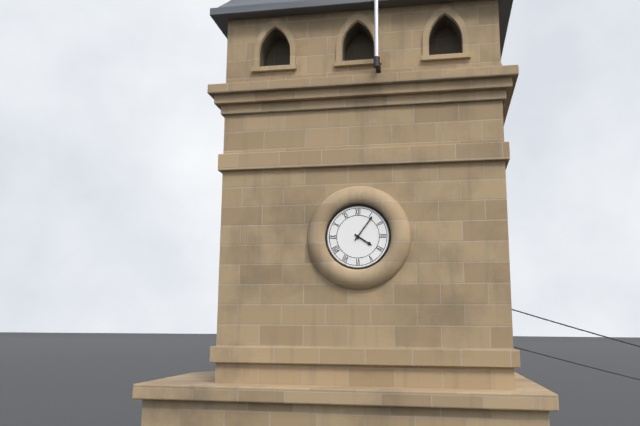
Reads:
h=4 m=6
